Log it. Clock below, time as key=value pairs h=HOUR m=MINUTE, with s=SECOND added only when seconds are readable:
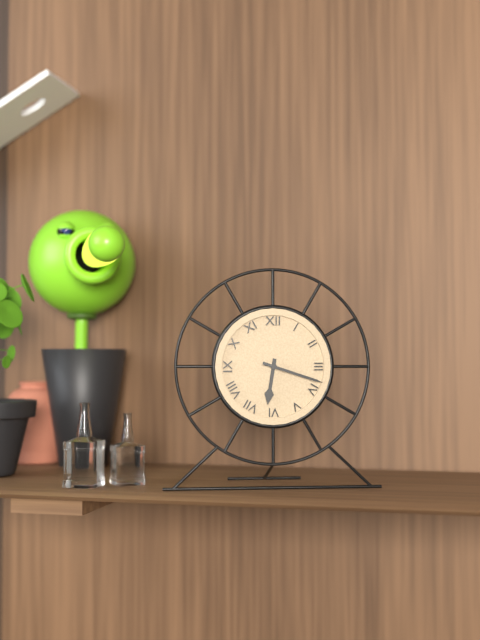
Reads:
h=6 m=18
